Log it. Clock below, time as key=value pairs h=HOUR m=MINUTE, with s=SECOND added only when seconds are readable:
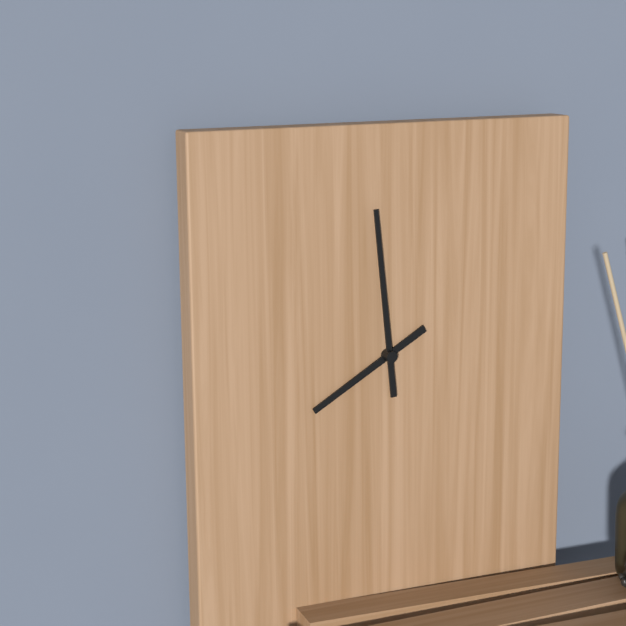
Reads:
h=7 m=59
